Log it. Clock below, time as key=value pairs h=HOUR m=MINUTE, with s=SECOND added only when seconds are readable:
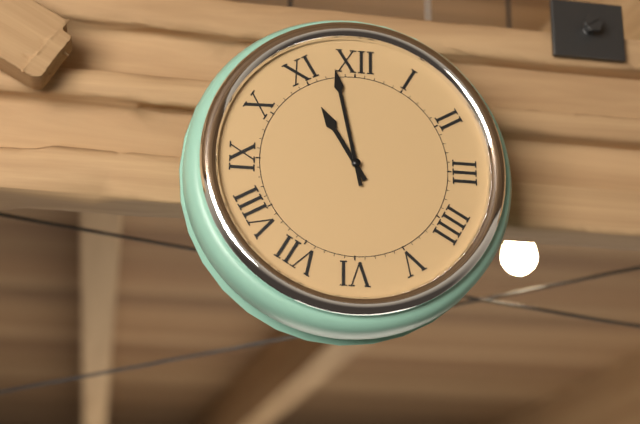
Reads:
h=10 m=58
